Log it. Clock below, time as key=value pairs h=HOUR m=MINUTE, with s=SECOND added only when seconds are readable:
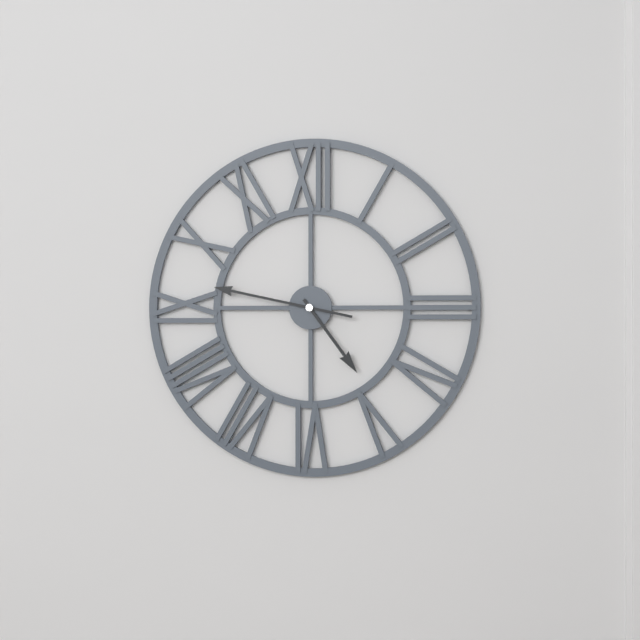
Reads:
h=4 m=47
